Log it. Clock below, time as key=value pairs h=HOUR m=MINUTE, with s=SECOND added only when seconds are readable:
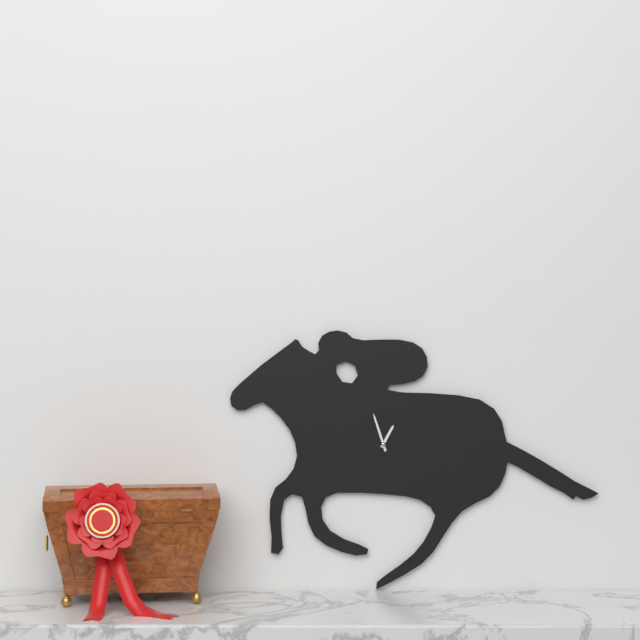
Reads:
h=12 m=57
